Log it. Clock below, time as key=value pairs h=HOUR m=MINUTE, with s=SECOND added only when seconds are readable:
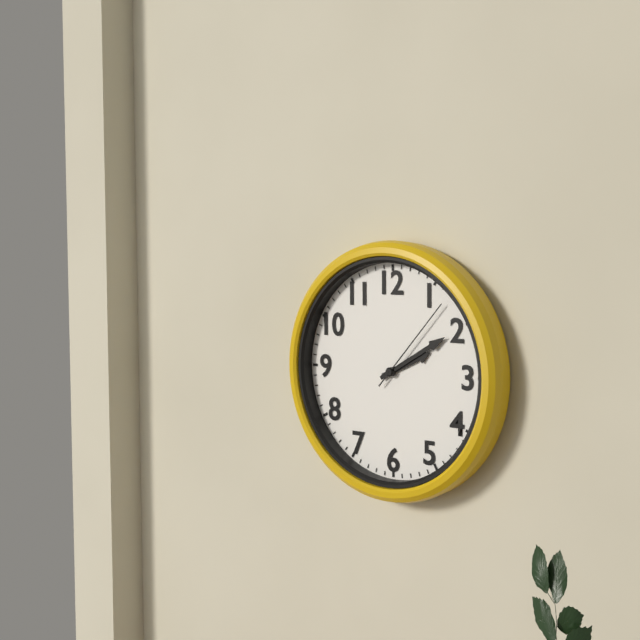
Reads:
h=2 m=10 s=7
